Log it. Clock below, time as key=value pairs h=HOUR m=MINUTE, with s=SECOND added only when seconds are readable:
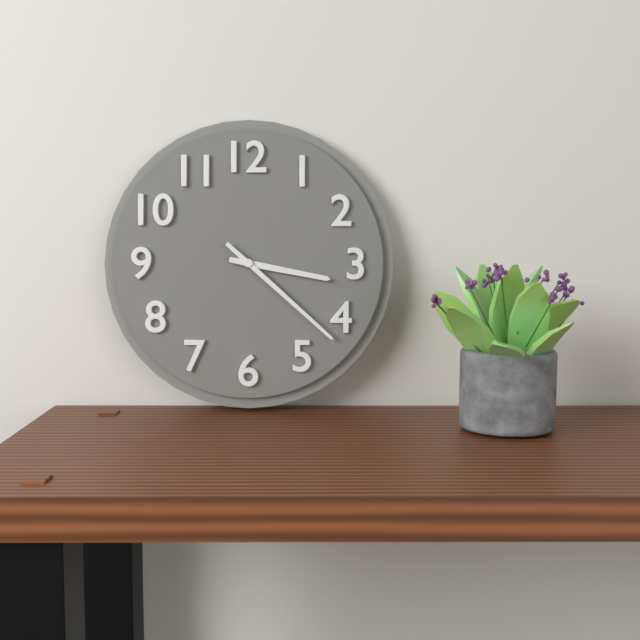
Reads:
h=3 m=22
